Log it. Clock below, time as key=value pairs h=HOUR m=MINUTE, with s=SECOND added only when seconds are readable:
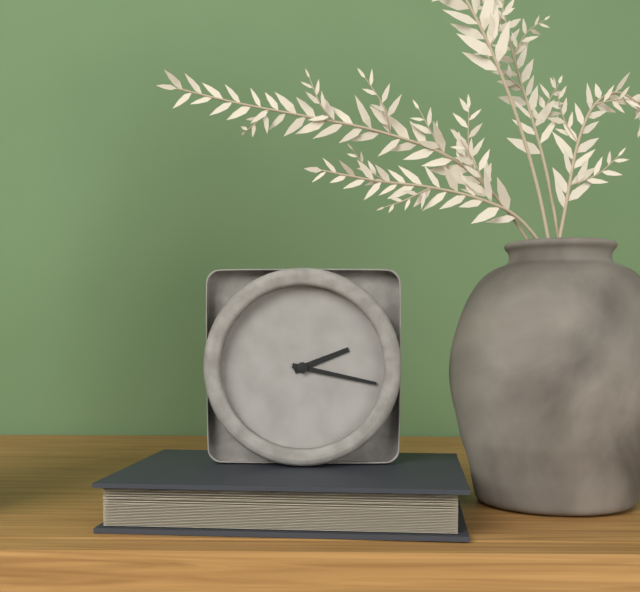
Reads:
h=2 m=17
